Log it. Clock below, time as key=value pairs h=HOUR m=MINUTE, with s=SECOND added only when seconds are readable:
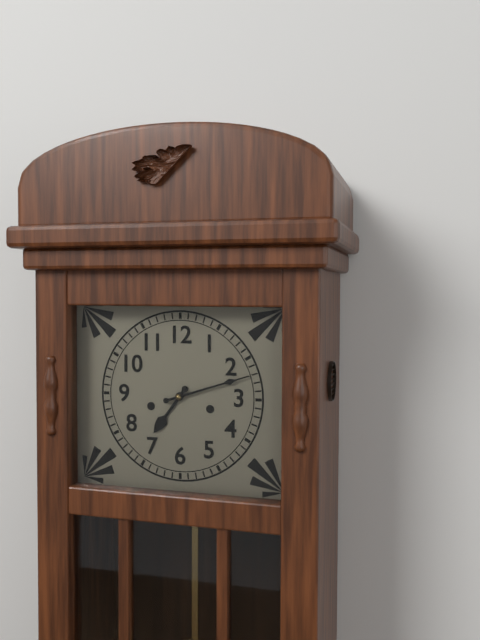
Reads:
h=7 m=12
